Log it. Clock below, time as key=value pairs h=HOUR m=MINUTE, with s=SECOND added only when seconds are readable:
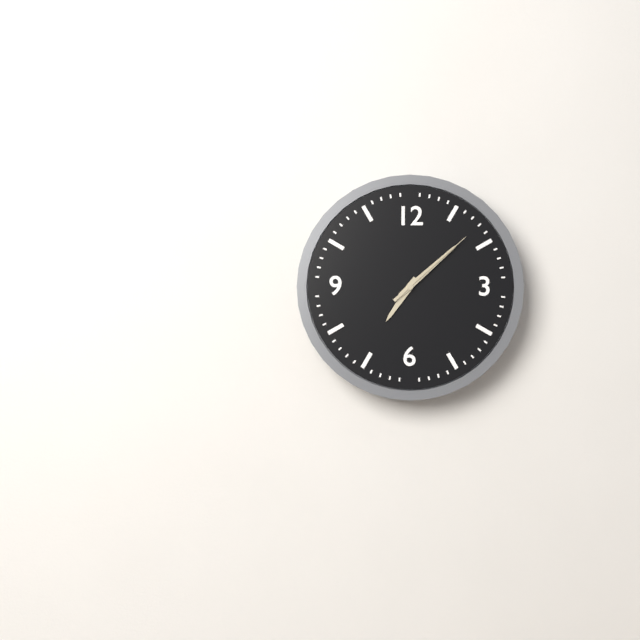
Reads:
h=7 m=8 s=8
